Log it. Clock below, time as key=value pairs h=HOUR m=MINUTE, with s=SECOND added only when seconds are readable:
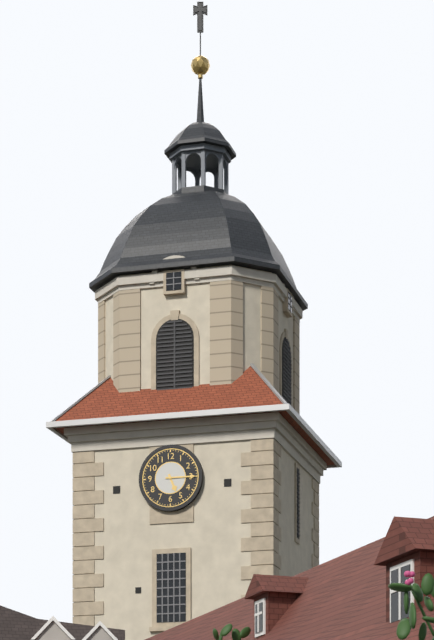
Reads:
h=5 m=15
